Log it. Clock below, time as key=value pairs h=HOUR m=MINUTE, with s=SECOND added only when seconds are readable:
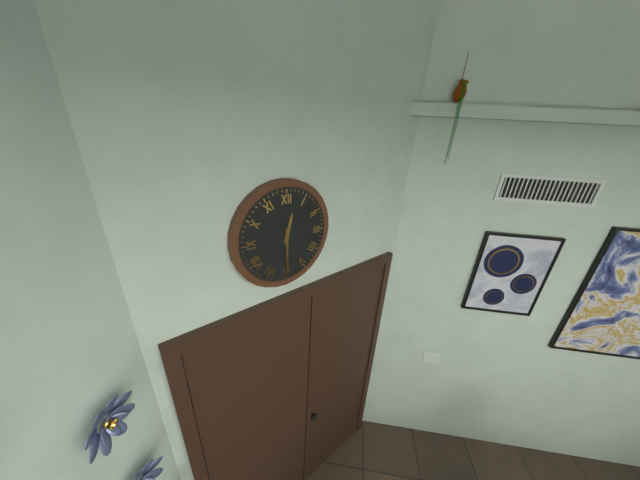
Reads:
h=12 m=30
